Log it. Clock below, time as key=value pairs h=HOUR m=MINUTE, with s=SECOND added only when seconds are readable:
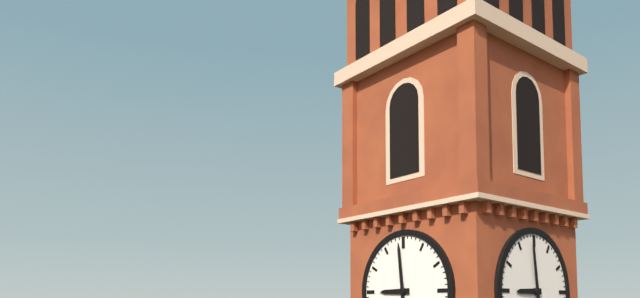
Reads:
h=8 m=59
